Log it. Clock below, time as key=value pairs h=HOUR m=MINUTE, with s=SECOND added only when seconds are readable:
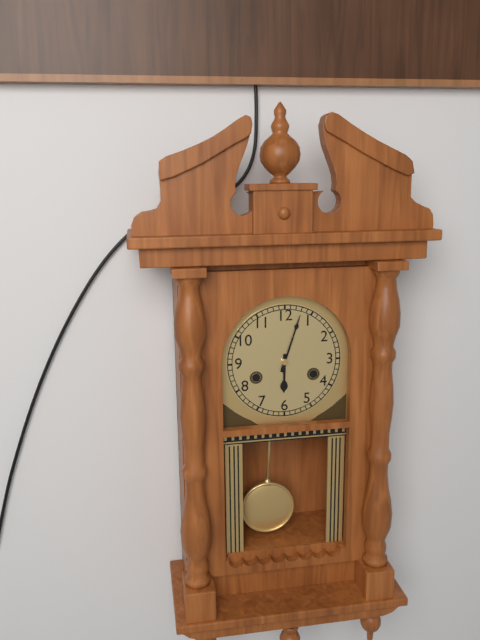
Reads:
h=6 m=3
